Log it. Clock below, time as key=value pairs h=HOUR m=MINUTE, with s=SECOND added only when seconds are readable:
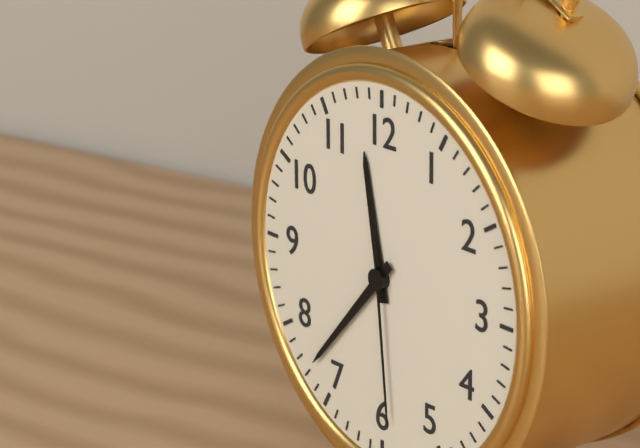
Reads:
h=11 m=37 s=29
